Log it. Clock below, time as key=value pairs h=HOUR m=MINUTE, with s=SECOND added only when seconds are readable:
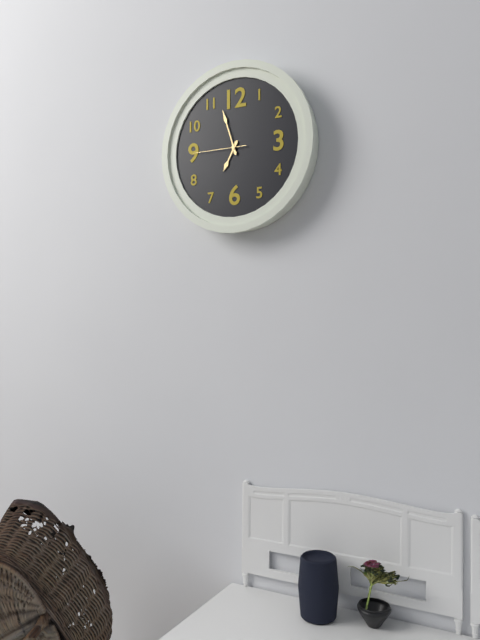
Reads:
h=6 m=57 s=45
